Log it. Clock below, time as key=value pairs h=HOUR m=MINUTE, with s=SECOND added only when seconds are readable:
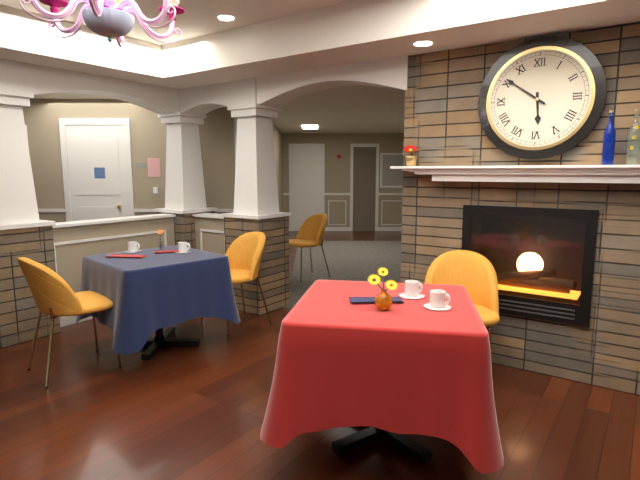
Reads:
h=5 m=51
